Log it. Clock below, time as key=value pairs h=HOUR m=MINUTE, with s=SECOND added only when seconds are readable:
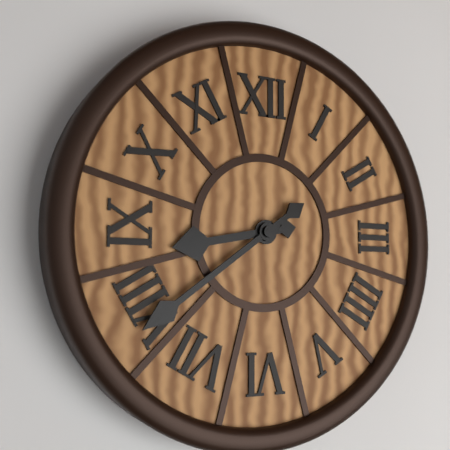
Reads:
h=8 m=39
